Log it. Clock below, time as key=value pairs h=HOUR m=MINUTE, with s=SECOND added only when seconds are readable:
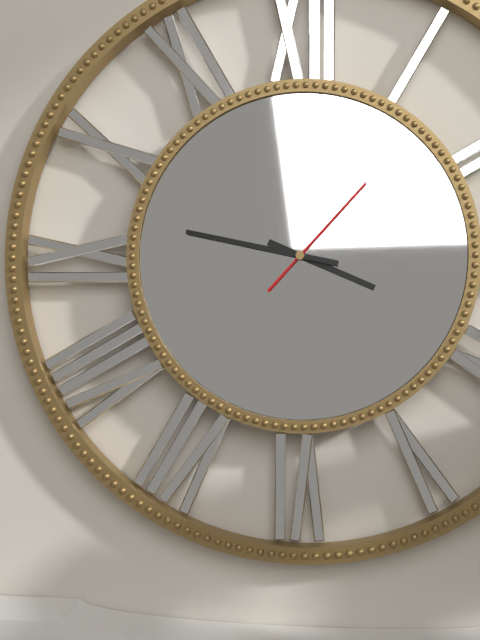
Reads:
h=3 m=47 s=7
